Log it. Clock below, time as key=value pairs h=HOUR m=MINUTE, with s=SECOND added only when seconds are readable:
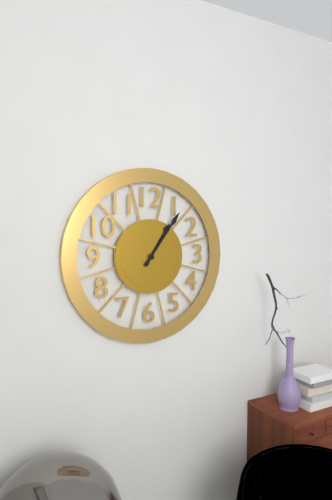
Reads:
h=1 m=6
